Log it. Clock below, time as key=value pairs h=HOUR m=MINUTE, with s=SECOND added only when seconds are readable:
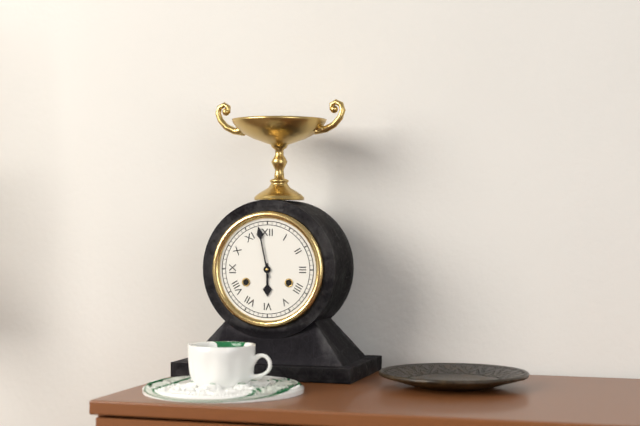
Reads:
h=5 m=58
